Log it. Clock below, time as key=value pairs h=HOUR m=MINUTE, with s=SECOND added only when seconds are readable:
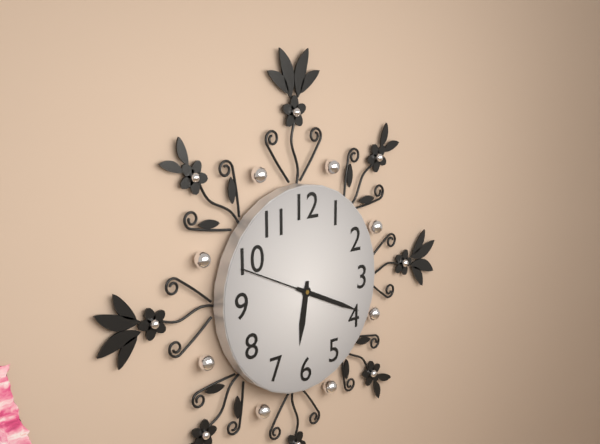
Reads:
h=6 m=19 s=49
